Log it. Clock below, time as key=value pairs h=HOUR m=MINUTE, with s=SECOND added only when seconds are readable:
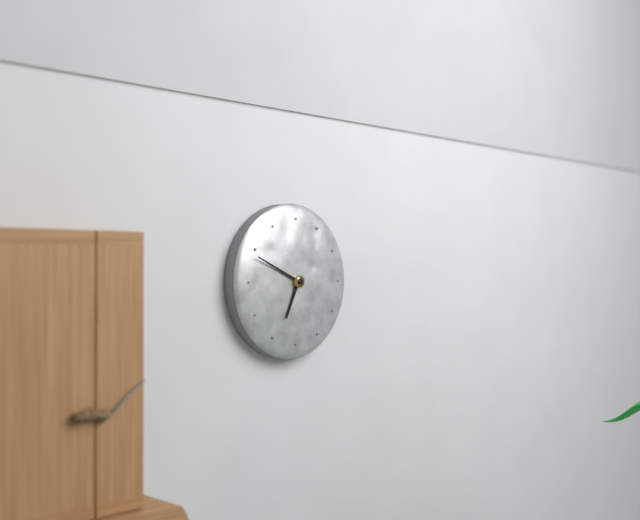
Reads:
h=6 m=49
